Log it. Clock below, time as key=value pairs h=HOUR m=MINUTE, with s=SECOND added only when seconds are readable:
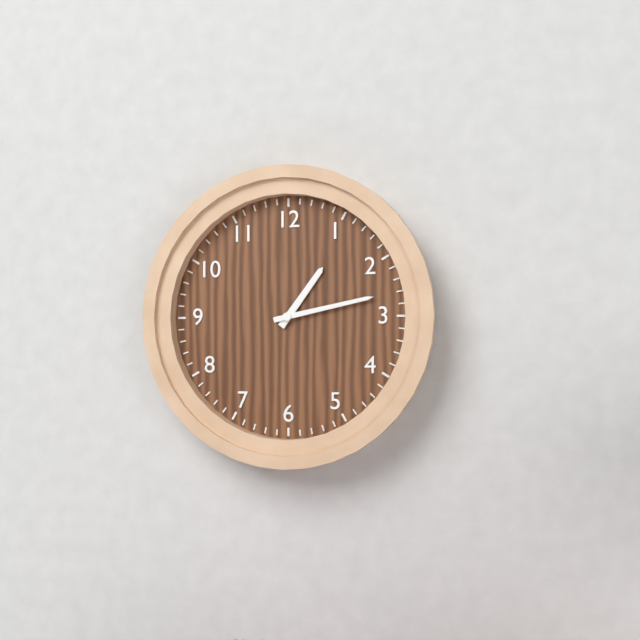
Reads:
h=1 m=13
